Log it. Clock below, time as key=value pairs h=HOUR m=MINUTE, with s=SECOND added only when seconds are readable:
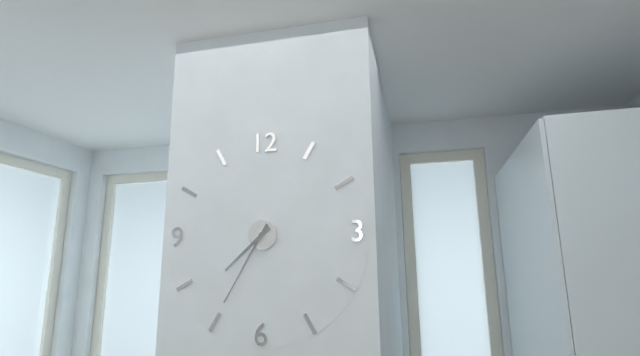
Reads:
h=7 m=35
